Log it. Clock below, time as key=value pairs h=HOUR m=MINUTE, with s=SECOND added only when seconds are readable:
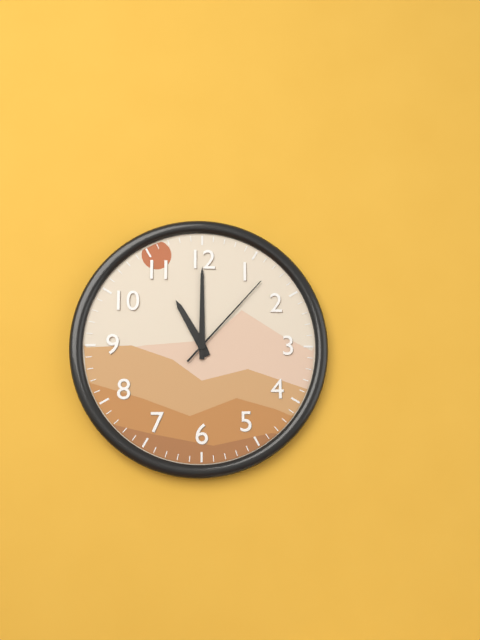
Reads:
h=11 m=0 s=7
